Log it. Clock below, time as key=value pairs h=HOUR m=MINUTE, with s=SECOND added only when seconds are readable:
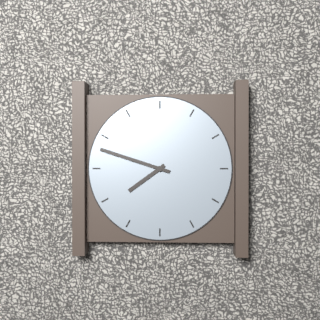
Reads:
h=7 m=48
